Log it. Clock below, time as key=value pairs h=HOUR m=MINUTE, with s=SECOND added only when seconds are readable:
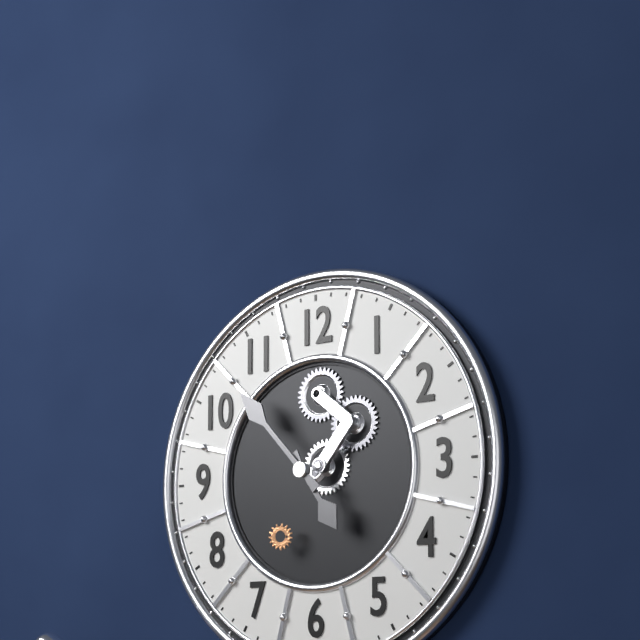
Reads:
h=4 m=53
